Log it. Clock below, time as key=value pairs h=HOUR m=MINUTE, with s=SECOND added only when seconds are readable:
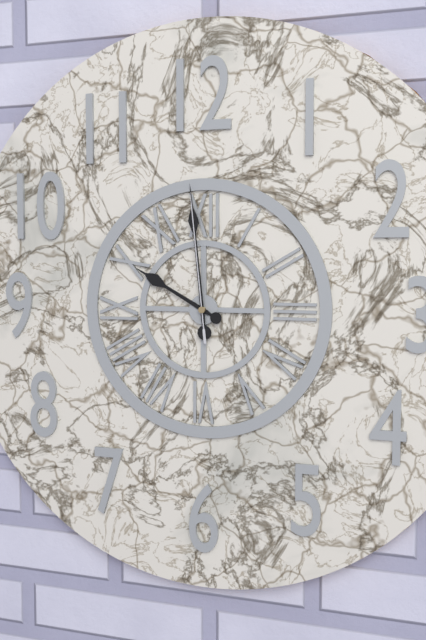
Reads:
h=9 m=59 s=59
